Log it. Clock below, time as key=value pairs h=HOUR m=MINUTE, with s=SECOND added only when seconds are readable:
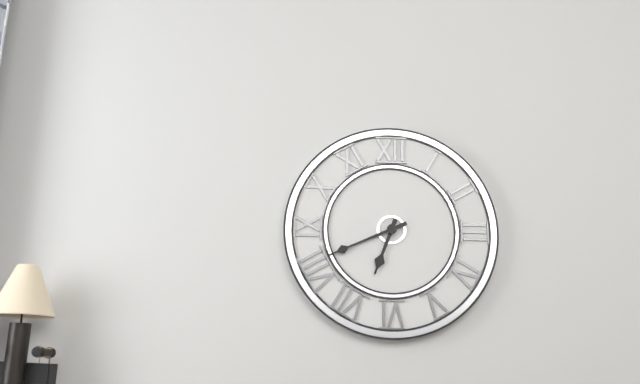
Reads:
h=6 m=41
